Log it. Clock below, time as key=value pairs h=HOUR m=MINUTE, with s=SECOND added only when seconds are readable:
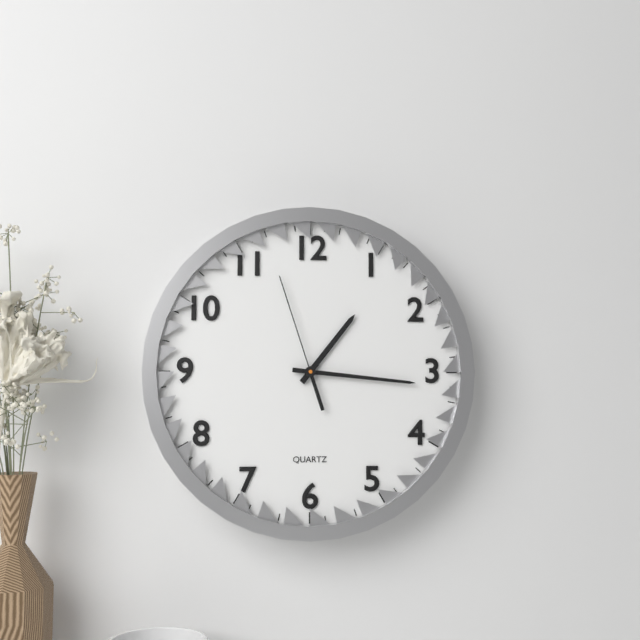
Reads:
h=1 m=16 s=57
